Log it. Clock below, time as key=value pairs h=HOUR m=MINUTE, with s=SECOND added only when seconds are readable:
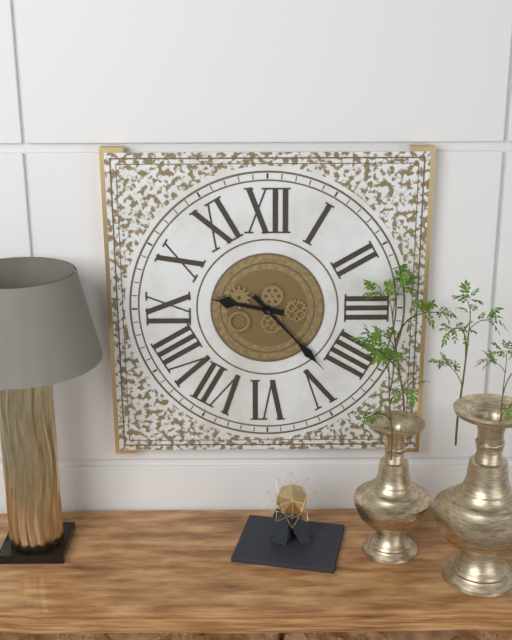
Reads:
h=9 m=23
